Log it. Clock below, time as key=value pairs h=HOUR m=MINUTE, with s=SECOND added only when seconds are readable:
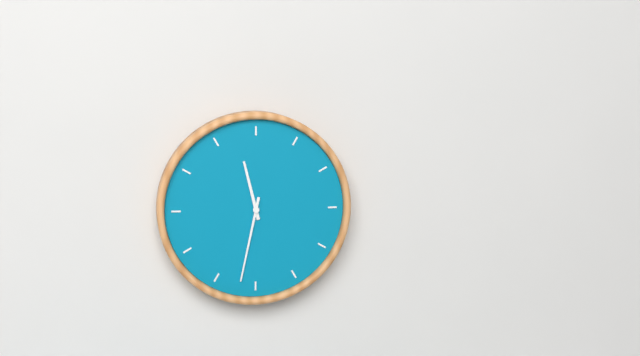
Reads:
h=11 m=32
